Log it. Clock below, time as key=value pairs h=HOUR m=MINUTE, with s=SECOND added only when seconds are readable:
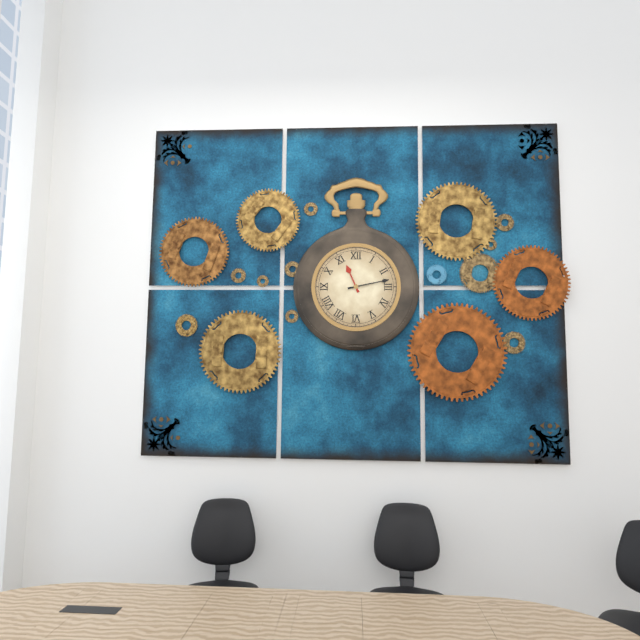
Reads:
h=11 m=13
